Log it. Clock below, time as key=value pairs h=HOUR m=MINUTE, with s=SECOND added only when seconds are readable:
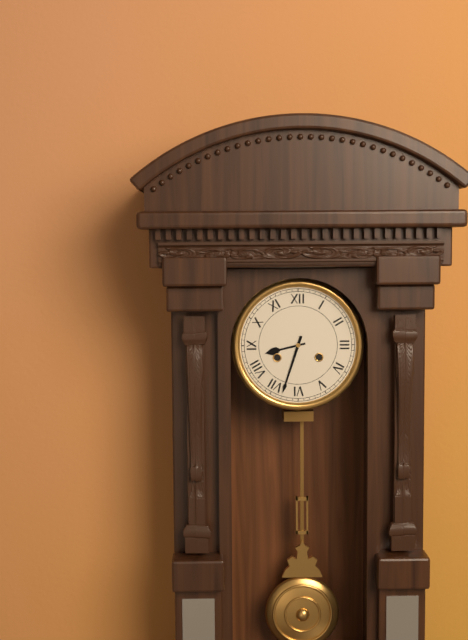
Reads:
h=8 m=33
